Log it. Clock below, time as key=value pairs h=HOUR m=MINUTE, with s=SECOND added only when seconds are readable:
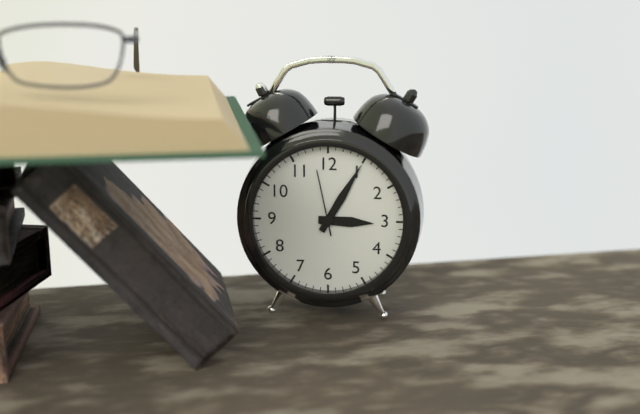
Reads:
h=3 m=5 s=58
